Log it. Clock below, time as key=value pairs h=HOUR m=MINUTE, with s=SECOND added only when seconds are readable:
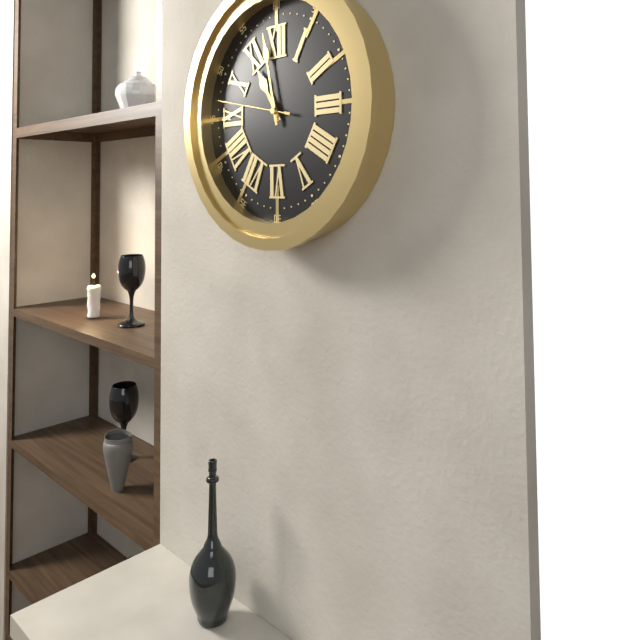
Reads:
h=10 m=58 s=47
